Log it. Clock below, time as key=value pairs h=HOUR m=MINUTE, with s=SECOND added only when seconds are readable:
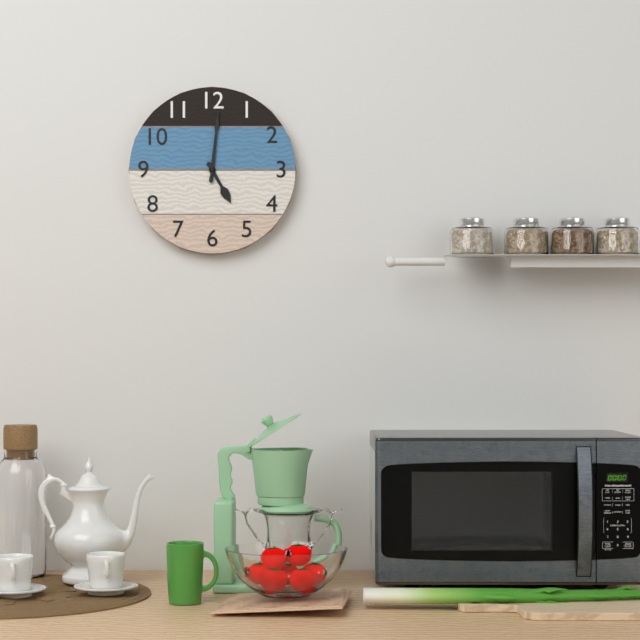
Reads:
h=5 m=1
